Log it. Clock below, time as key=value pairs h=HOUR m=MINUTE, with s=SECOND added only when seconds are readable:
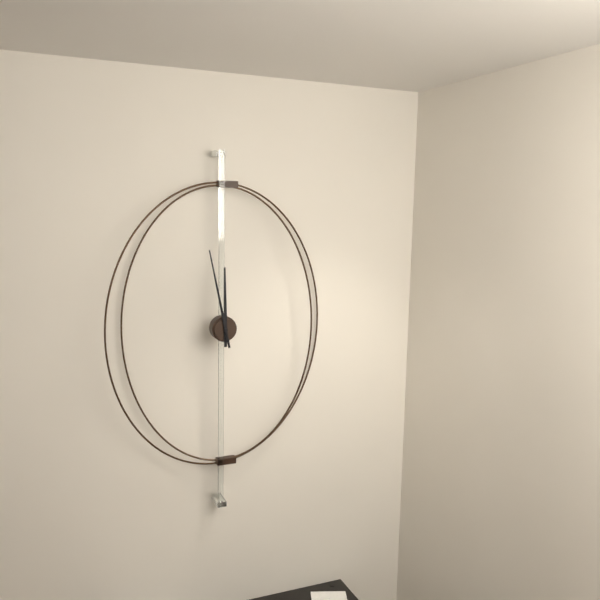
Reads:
h=11 m=58
